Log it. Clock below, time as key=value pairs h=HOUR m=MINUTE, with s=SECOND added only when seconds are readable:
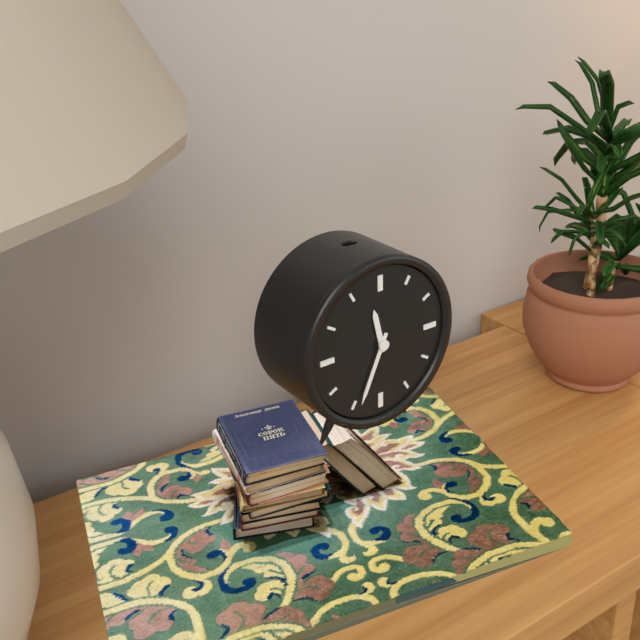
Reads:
h=11 m=34
